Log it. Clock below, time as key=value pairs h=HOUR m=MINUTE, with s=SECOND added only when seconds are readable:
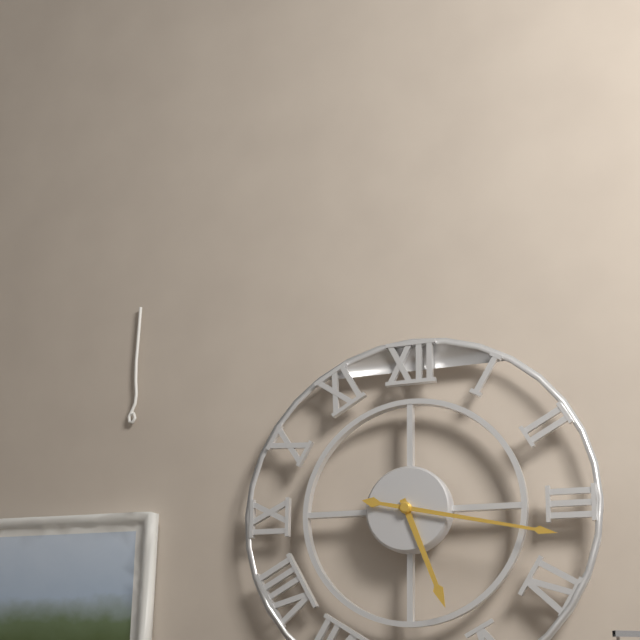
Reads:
h=5 m=17
